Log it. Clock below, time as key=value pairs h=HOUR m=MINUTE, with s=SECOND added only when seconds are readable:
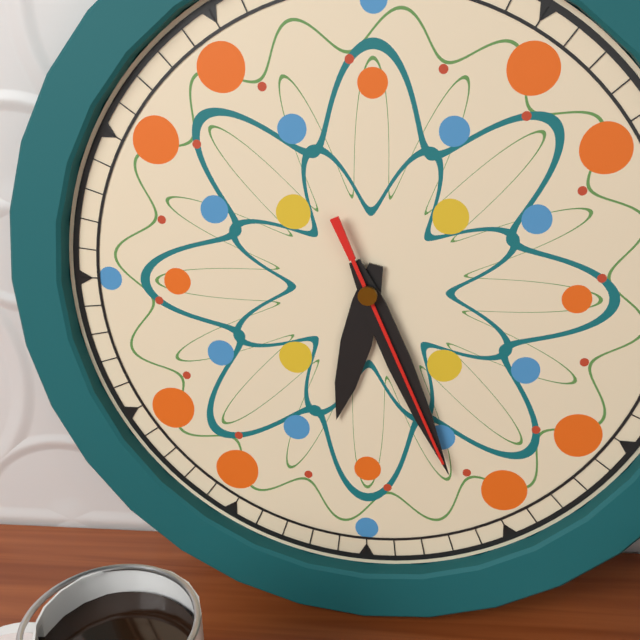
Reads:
h=6 m=26 s=26
